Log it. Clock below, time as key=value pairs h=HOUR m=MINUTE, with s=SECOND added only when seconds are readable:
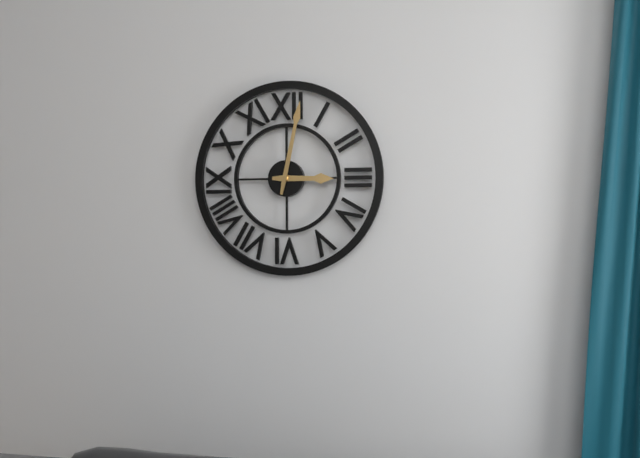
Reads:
h=3 m=2
